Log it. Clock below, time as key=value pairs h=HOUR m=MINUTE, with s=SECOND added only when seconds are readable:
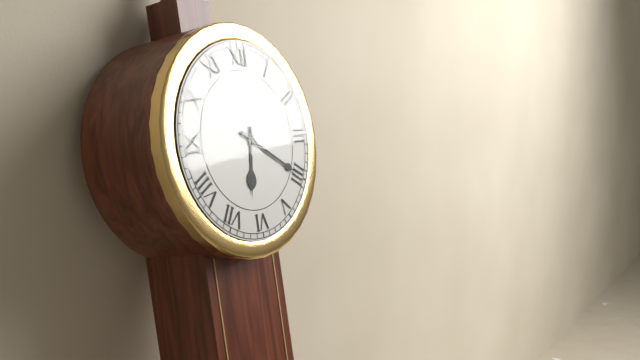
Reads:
h=6 m=20
